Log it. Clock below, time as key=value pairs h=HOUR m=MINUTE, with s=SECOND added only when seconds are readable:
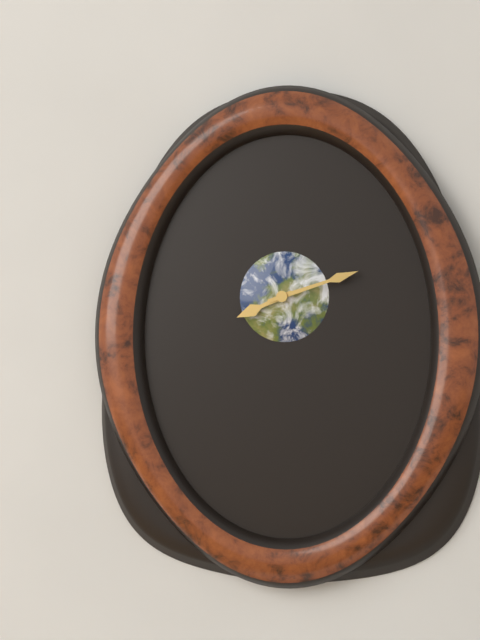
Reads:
h=8 m=12
